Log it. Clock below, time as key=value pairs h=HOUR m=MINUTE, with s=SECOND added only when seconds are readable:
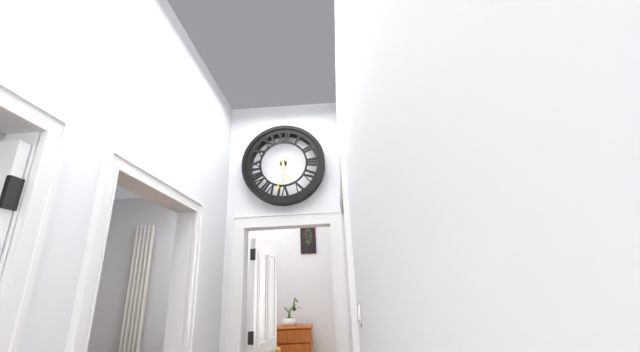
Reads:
h=5 m=32
